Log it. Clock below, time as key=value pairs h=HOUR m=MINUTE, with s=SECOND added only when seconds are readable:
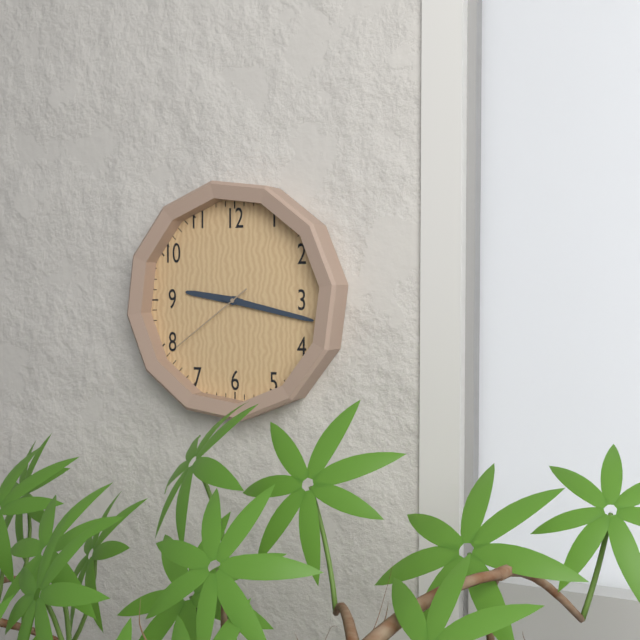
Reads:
h=9 m=17 s=39
